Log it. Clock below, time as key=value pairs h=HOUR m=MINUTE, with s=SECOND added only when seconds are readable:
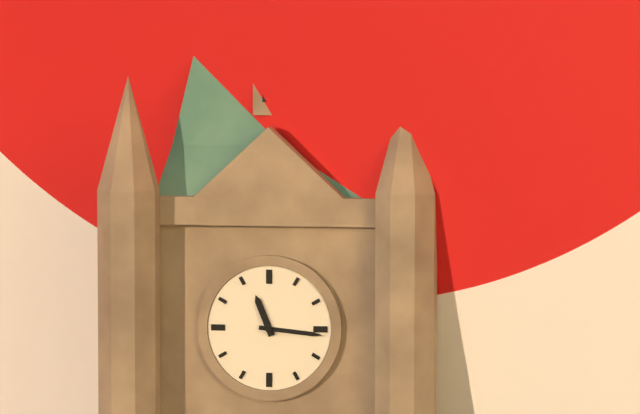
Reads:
h=11 m=16
